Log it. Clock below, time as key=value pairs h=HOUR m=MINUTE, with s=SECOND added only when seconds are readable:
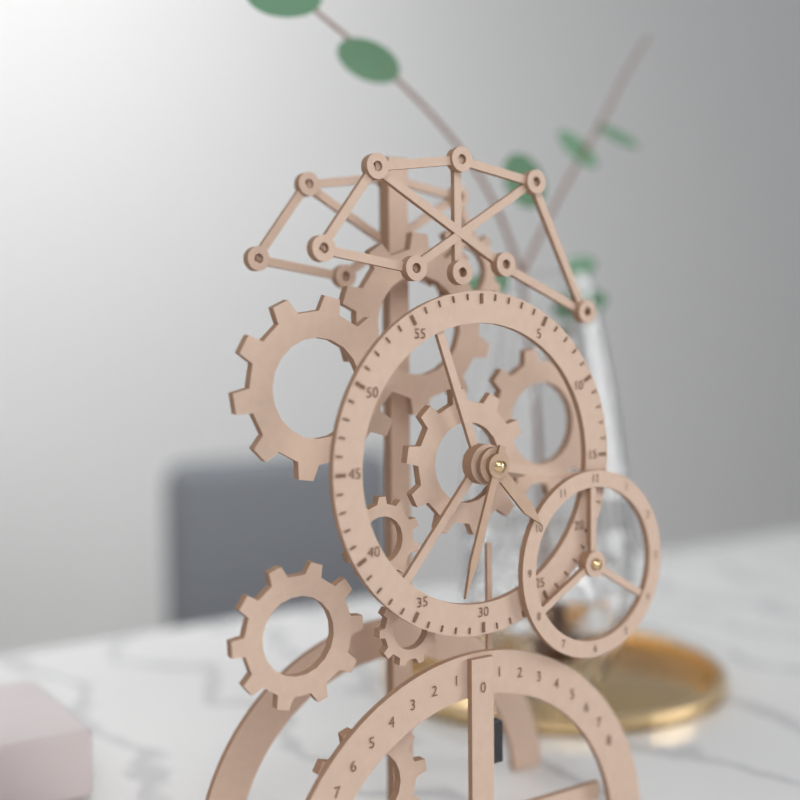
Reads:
h=4 m=33
